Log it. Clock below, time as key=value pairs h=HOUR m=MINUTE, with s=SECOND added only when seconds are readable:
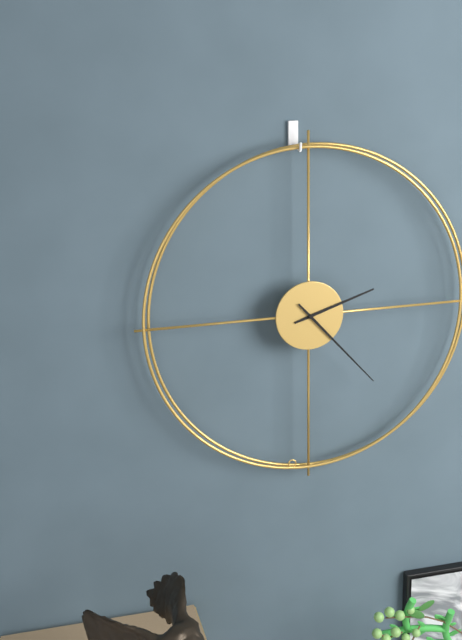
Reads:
h=2 m=23
